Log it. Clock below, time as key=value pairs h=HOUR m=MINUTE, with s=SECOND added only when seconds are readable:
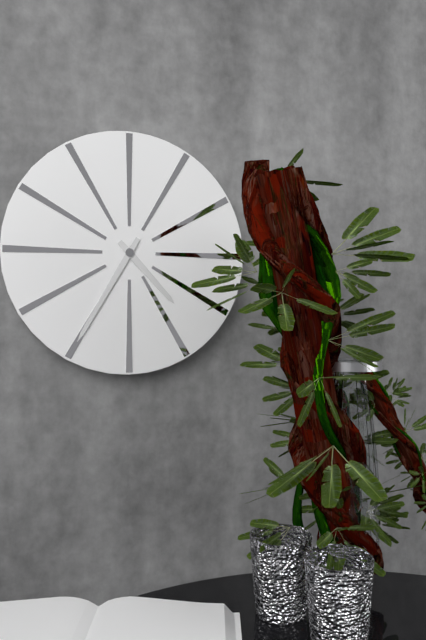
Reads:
h=4 m=35
